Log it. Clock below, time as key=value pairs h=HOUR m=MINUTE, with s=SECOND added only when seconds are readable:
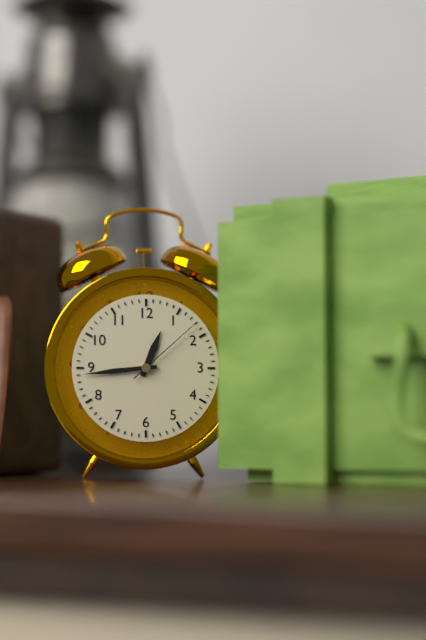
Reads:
h=12 m=44 s=8
